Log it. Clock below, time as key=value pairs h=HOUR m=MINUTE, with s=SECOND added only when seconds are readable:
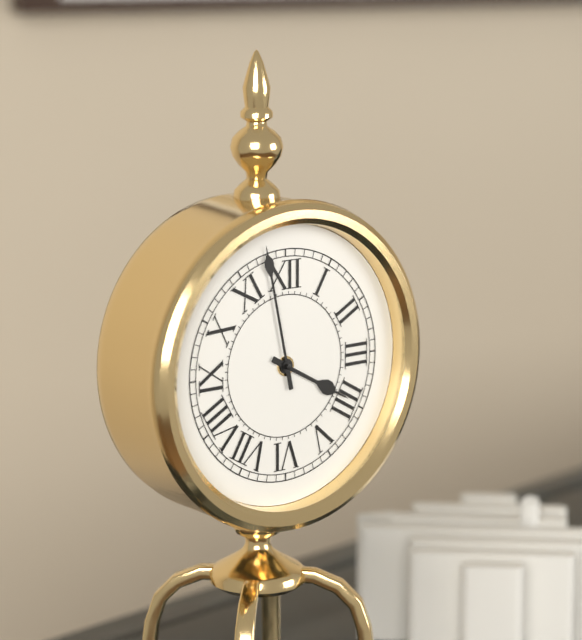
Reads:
h=3 m=58
